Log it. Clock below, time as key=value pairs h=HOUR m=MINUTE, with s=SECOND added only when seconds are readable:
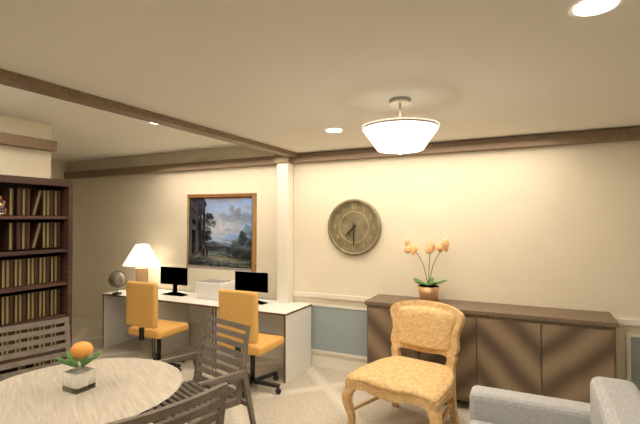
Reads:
h=7 m=30
